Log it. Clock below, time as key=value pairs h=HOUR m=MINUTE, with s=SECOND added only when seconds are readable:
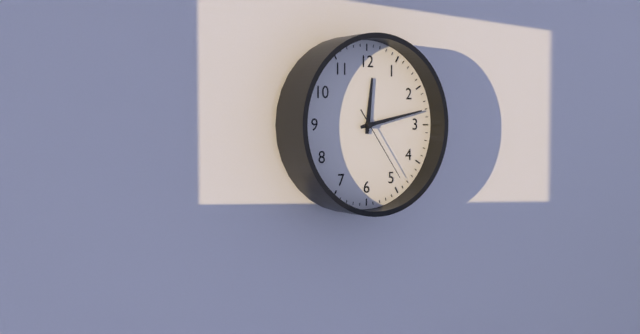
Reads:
h=12 m=13 s=24
